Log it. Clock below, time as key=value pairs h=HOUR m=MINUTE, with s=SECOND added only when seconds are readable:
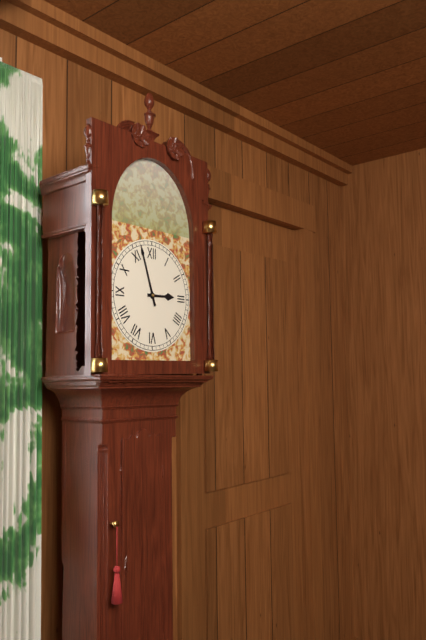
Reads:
h=2 m=57
